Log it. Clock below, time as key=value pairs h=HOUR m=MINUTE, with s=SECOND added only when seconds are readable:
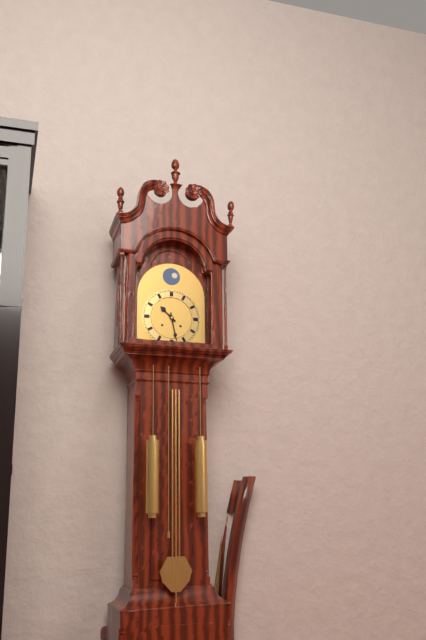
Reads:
h=10 m=28
